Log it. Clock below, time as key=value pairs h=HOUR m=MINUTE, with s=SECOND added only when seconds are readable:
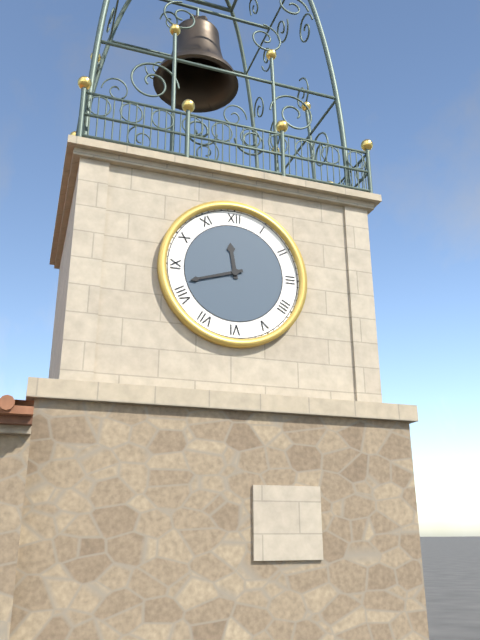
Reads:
h=11 m=42
